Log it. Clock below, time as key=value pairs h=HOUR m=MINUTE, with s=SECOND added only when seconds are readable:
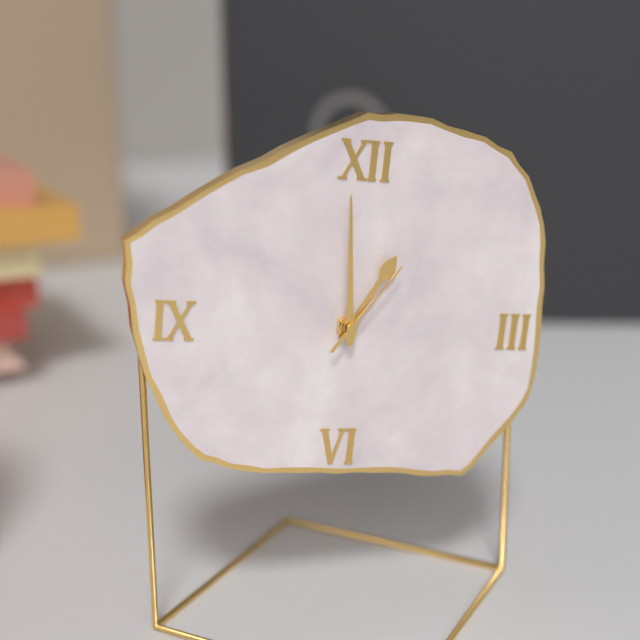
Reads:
h=12 m=59 s=6
